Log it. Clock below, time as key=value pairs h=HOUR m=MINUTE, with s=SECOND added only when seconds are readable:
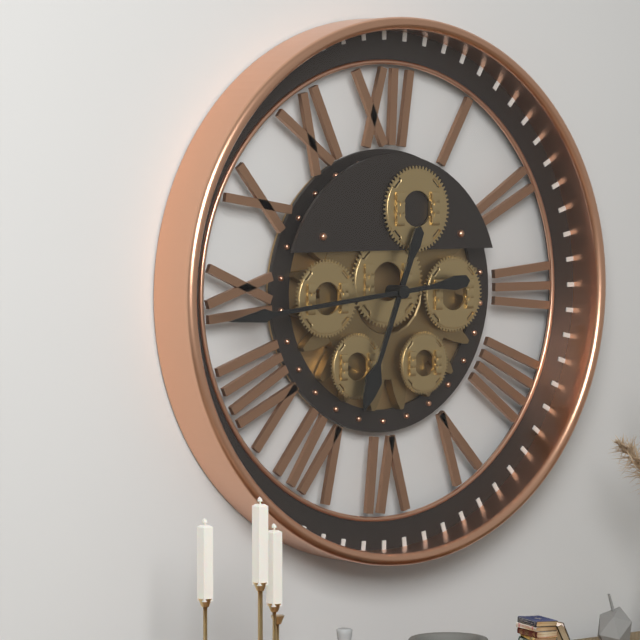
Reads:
h=6 m=44
